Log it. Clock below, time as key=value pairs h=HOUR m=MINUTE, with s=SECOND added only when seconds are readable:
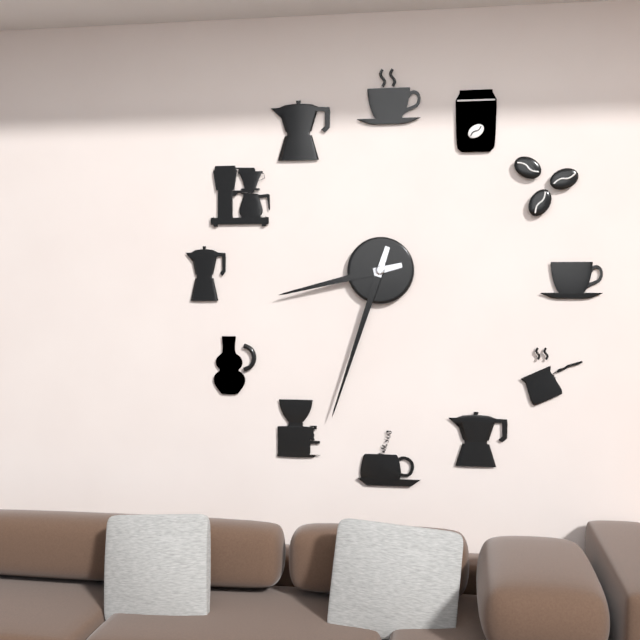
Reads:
h=8 m=33
